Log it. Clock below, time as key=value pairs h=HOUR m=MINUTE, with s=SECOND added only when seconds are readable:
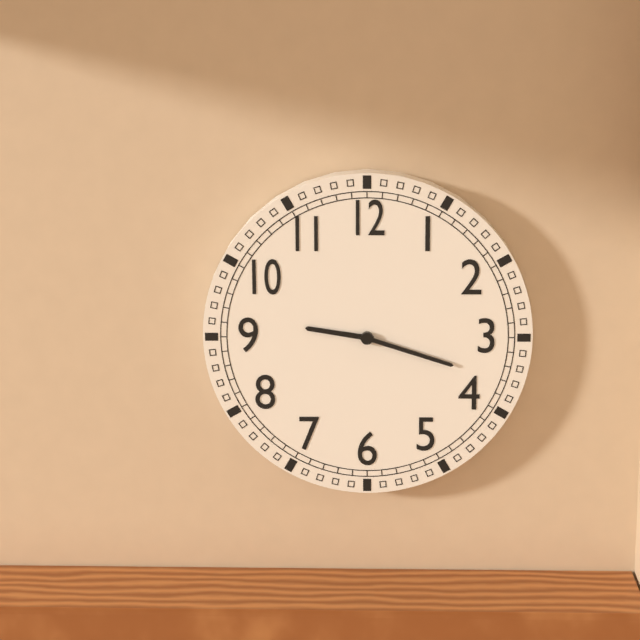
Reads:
h=9 m=18
